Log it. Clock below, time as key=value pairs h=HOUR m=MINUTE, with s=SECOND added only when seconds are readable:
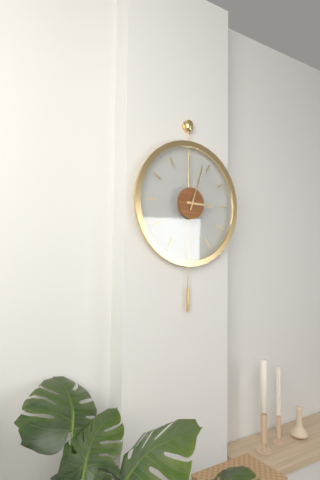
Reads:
h=3 m=3
